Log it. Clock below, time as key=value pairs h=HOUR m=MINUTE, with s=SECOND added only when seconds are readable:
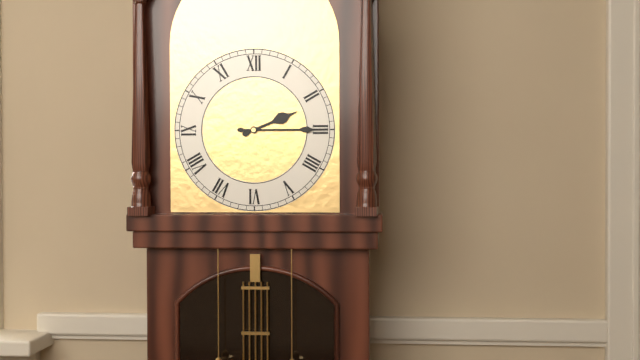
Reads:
h=2 m=15
